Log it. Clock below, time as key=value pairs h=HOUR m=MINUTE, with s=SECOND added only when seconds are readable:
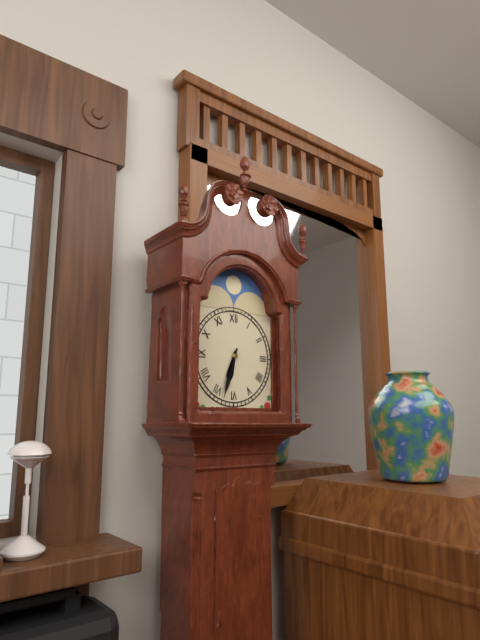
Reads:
h=6 m=33
